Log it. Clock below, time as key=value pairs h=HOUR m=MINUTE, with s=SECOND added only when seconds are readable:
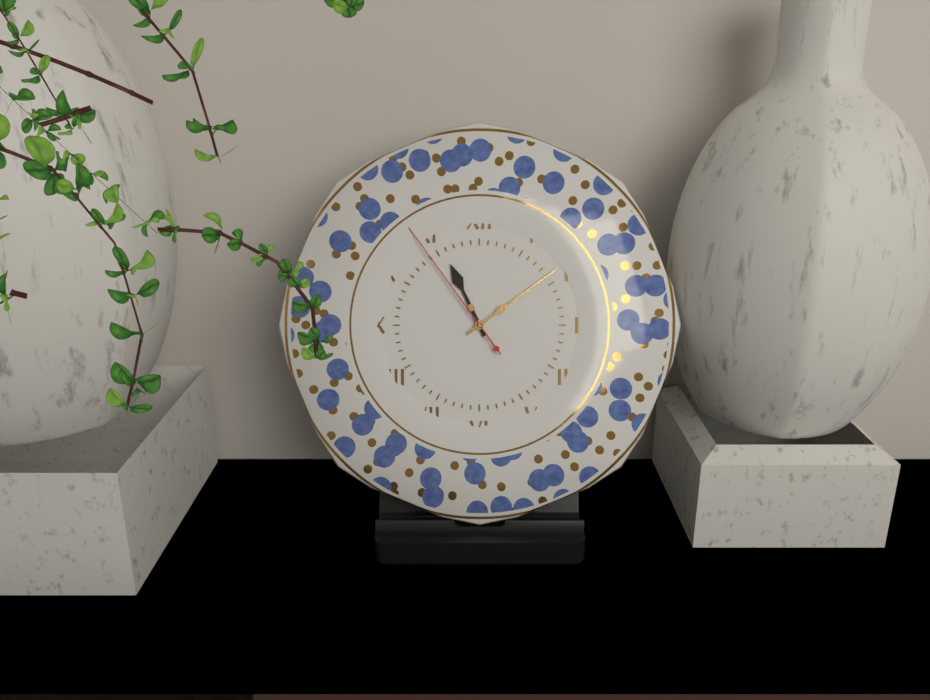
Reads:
h=11 m=9 s=54
